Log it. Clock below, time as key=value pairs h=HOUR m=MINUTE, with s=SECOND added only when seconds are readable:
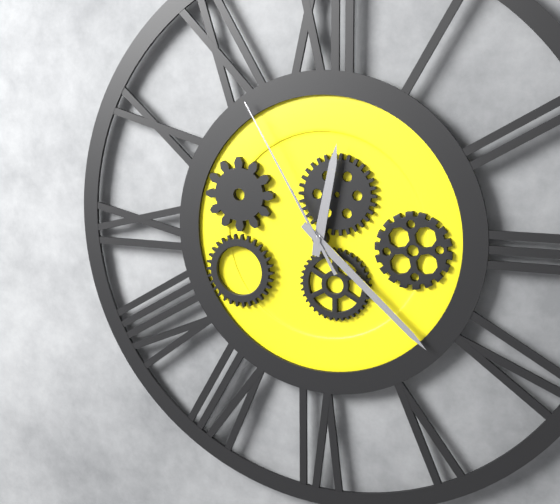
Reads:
h=12 m=22 s=55
